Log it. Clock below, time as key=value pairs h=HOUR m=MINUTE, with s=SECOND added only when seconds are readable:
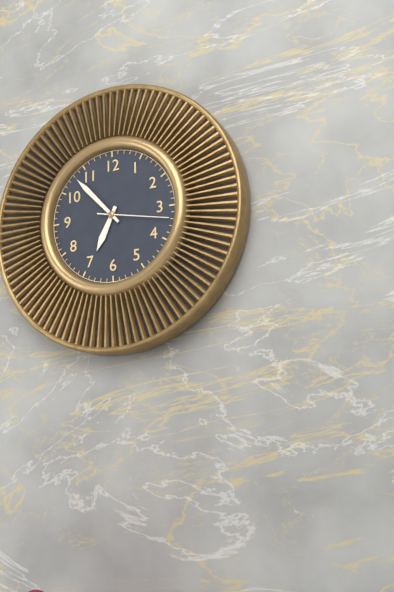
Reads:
h=6 m=53 s=17
